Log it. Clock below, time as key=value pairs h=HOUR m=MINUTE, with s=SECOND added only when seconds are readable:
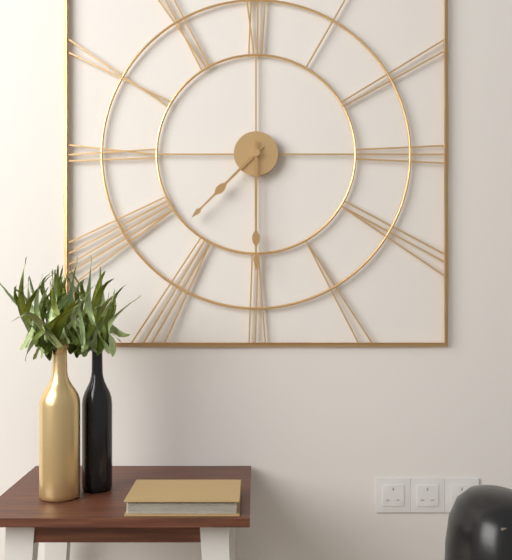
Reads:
h=7 m=30
